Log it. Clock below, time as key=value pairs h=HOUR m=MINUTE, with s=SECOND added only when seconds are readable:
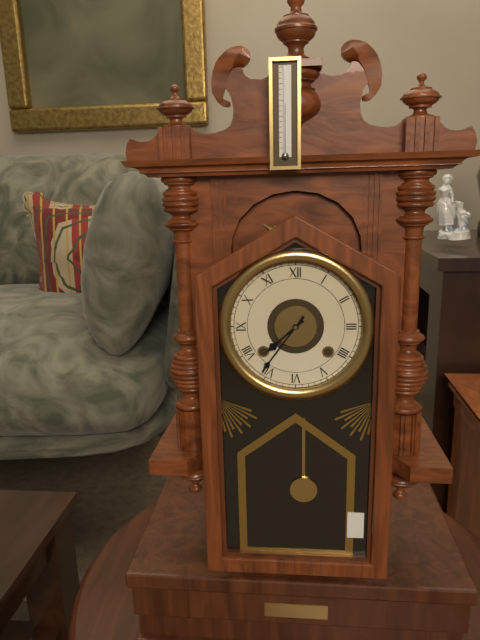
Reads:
h=7 m=36
